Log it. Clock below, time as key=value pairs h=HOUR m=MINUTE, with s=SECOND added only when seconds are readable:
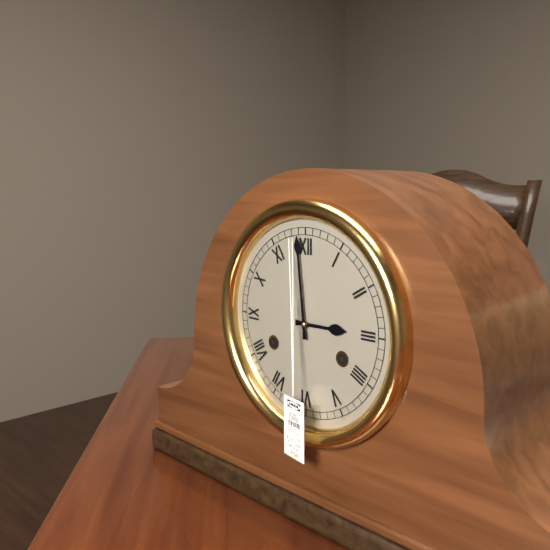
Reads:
h=2 m=59
